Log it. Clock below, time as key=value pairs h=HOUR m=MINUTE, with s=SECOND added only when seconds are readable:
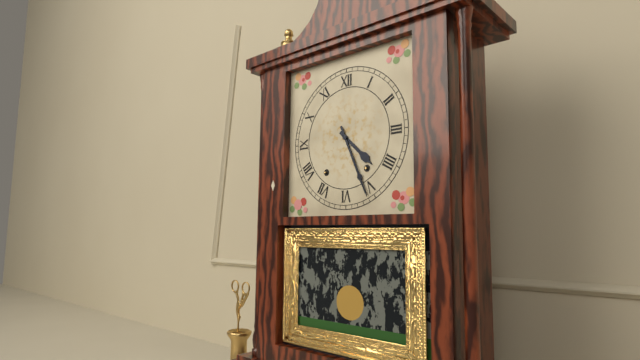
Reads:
h=4 m=26
